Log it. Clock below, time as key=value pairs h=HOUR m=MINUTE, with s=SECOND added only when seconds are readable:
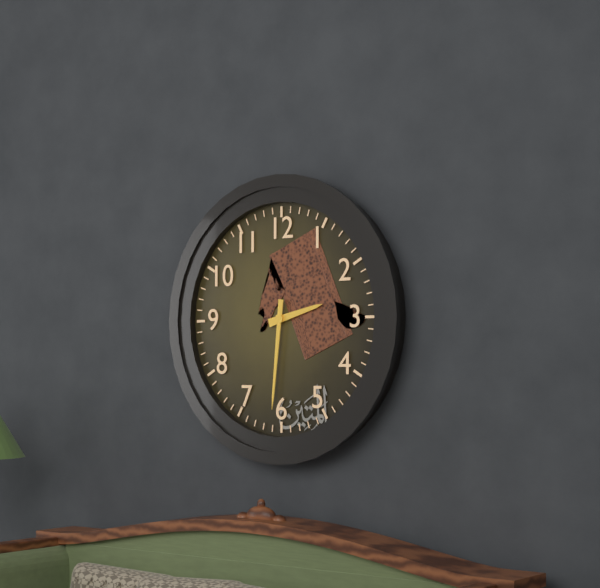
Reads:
h=2 m=31
